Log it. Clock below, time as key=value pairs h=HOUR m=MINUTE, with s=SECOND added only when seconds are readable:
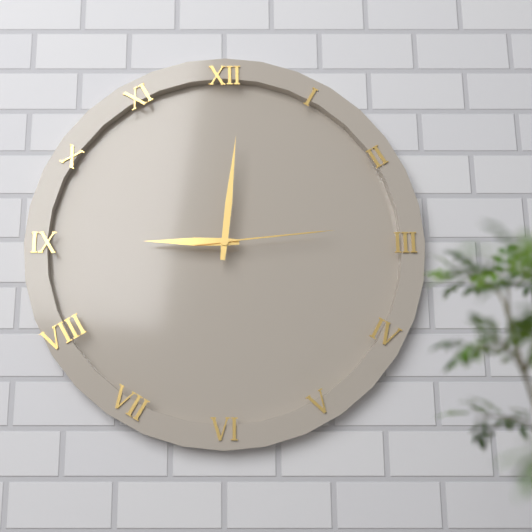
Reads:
h=9 m=1 s=14
